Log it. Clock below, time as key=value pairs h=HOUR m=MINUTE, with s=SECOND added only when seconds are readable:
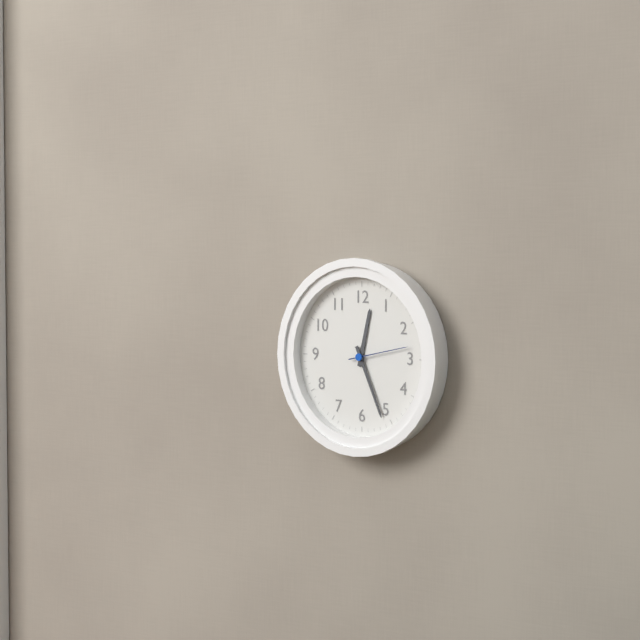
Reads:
h=12 m=26 s=13
